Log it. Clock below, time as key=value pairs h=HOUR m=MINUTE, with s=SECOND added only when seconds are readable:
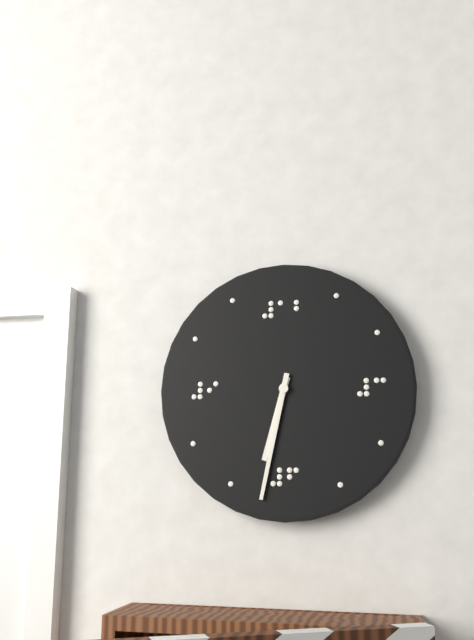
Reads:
h=6 m=32
